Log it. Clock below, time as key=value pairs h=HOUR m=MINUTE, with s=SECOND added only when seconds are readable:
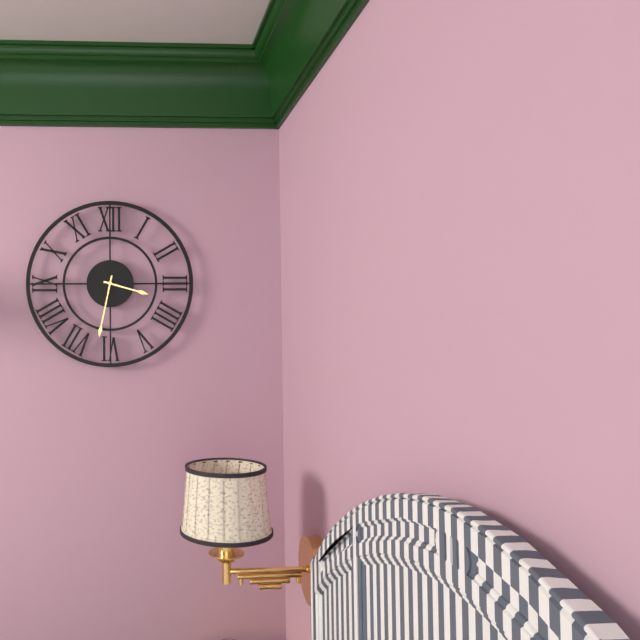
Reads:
h=3 m=32
